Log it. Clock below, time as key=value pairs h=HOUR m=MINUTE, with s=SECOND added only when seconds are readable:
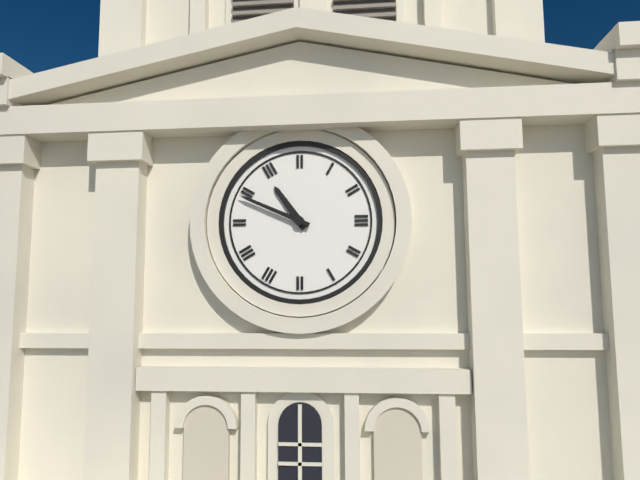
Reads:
h=10 m=49
